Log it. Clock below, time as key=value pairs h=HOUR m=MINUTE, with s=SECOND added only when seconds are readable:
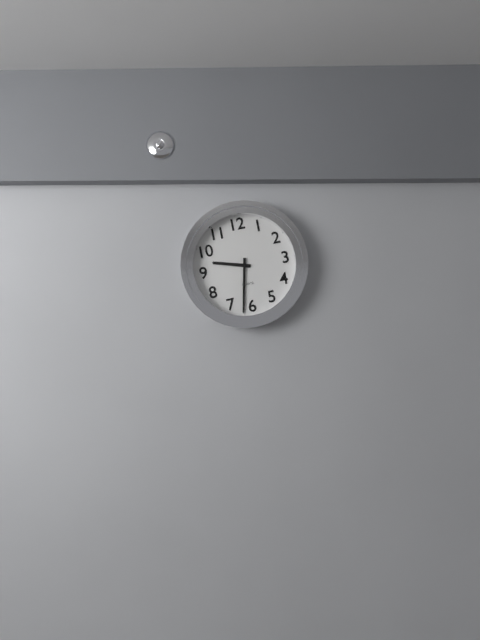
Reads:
h=9 m=32
